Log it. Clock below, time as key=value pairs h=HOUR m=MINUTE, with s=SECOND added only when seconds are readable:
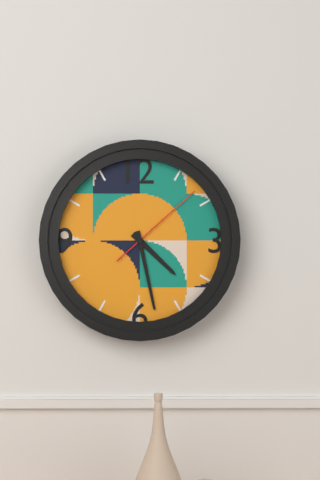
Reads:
h=4 m=28 s=8
